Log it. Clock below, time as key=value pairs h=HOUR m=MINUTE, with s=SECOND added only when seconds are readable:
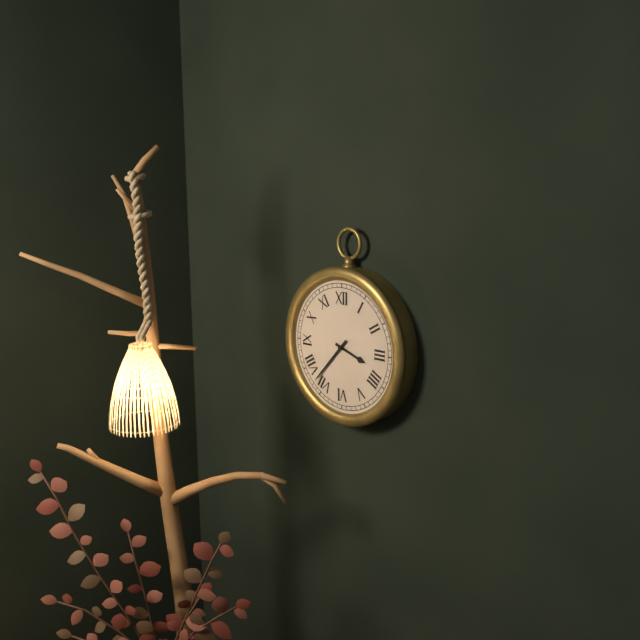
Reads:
h=3 m=37
